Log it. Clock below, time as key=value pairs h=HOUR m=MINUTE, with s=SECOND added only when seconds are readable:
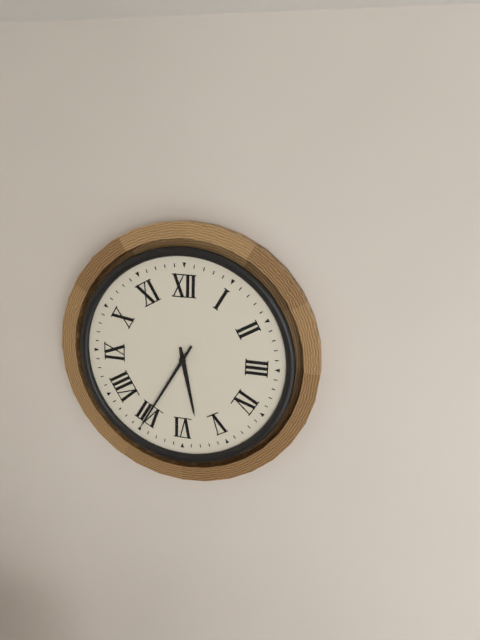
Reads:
h=5 m=35
